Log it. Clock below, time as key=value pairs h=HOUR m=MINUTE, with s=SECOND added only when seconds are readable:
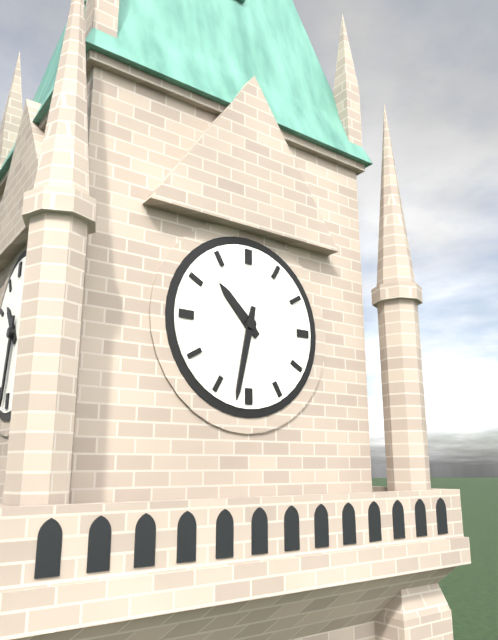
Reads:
h=10 m=32
